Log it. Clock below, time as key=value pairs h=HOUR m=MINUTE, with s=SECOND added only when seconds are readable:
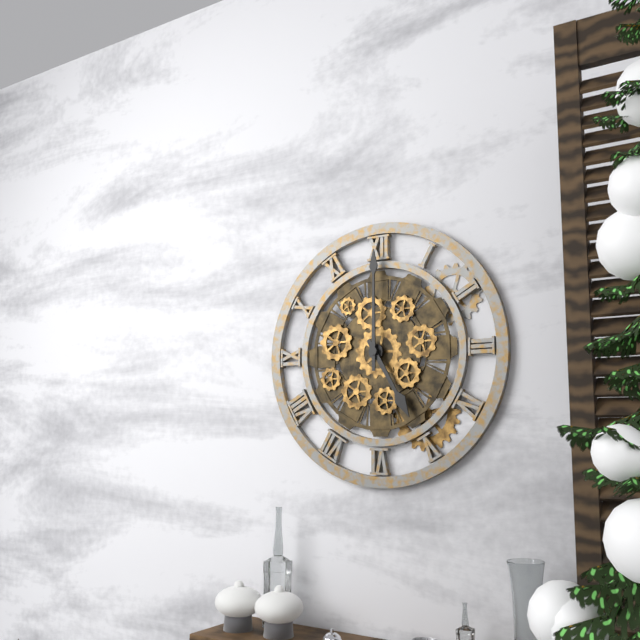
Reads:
h=5 m=0
